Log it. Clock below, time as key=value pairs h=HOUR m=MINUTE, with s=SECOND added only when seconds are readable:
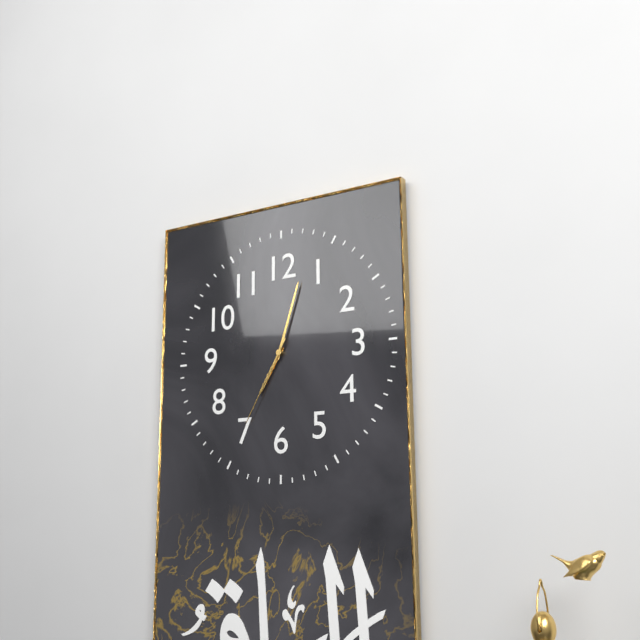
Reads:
h=7 m=3 s=35
